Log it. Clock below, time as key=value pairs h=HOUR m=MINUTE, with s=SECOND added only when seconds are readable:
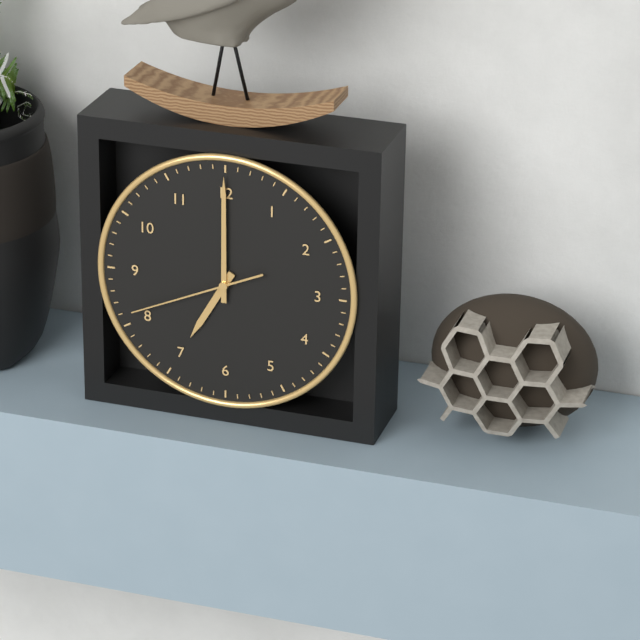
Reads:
h=7 m=0 s=41
